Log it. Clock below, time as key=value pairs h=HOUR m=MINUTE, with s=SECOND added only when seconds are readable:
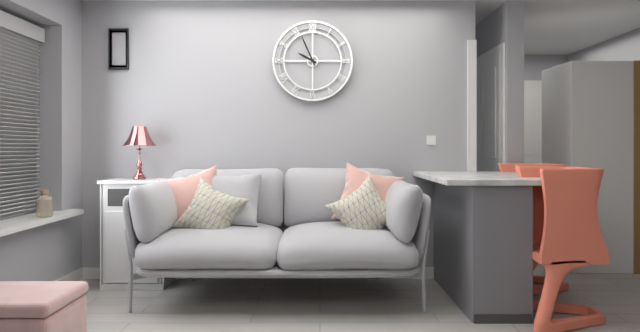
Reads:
h=9 m=56
